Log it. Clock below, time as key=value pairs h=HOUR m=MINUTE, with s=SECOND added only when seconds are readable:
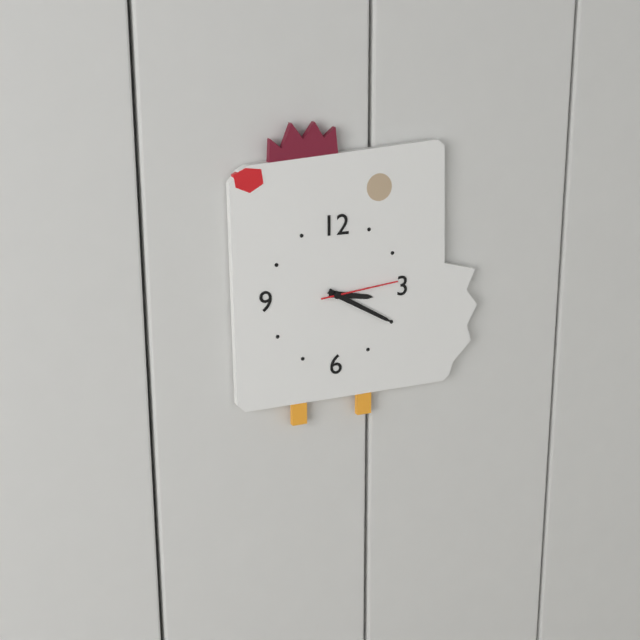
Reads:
h=3 m=20 s=14
